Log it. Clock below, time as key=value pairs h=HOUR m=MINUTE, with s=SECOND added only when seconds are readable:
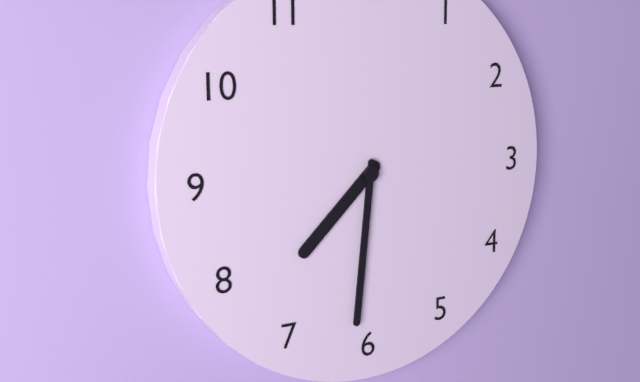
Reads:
h=7 m=31
